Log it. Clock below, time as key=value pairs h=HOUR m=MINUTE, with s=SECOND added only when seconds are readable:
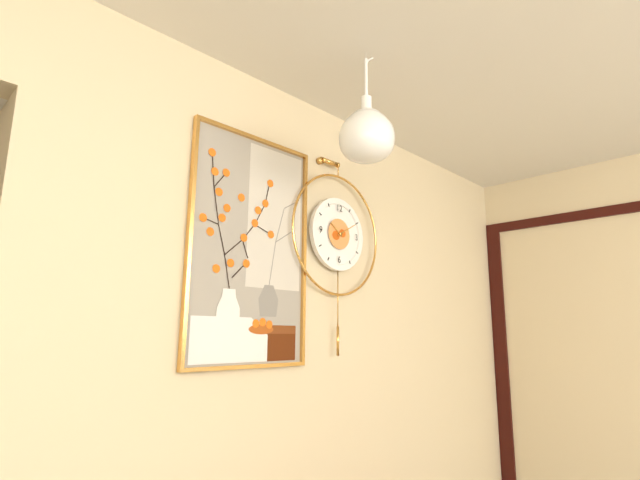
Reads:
h=10 m=10
